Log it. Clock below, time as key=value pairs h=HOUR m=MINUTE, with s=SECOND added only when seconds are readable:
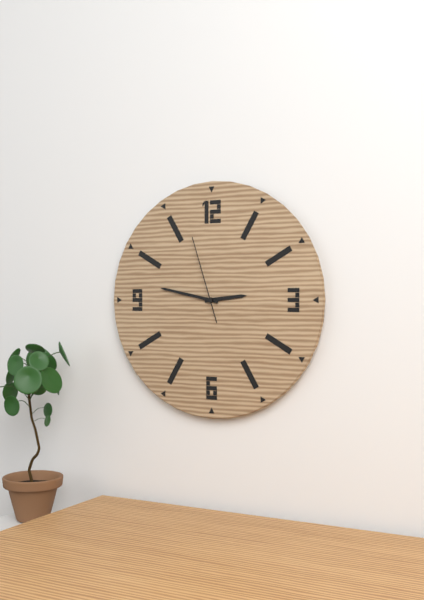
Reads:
h=2 m=47 s=57
